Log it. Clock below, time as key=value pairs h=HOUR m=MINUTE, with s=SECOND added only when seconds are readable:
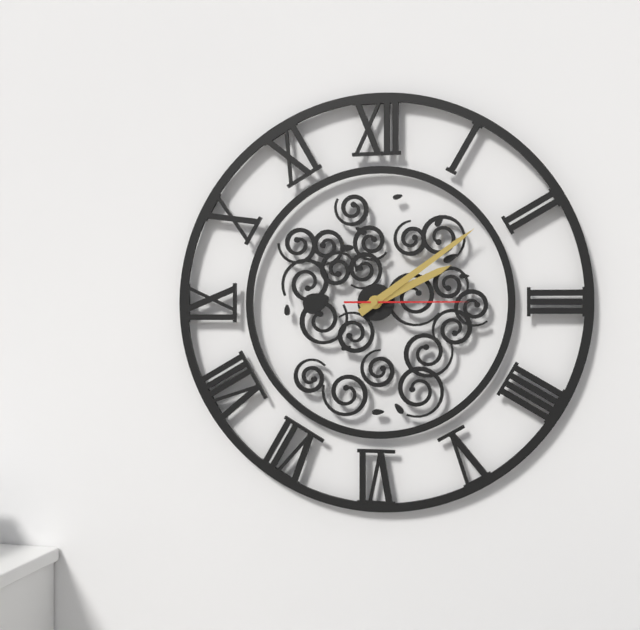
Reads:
h=2 m=9 s=15
